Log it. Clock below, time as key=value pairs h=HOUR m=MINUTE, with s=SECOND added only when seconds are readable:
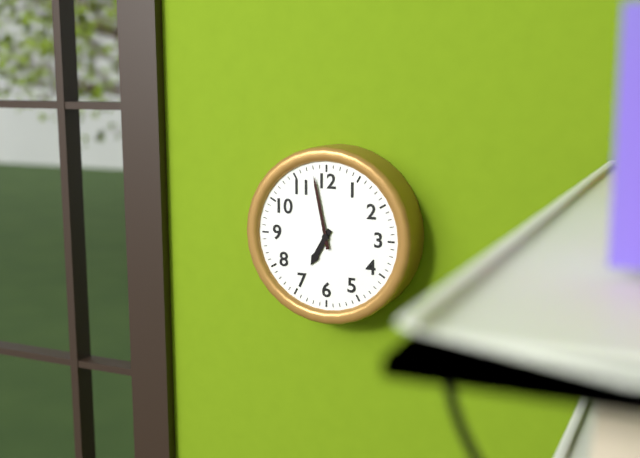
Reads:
h=6 m=58
